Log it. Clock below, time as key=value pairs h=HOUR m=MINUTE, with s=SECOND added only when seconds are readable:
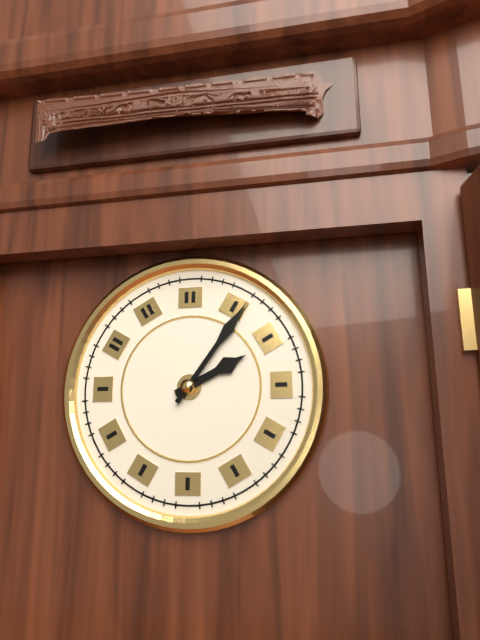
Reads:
h=2 m=6
